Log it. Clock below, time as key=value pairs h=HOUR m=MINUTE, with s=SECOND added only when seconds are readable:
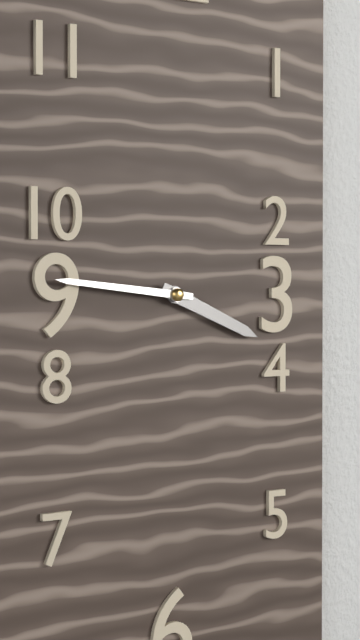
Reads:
h=3 m=46
